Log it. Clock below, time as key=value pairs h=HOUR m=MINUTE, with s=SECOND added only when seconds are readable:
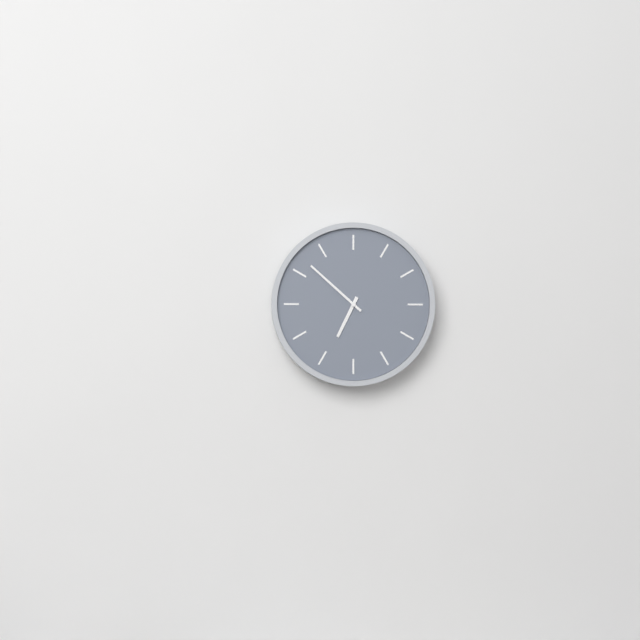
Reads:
h=6 m=52
